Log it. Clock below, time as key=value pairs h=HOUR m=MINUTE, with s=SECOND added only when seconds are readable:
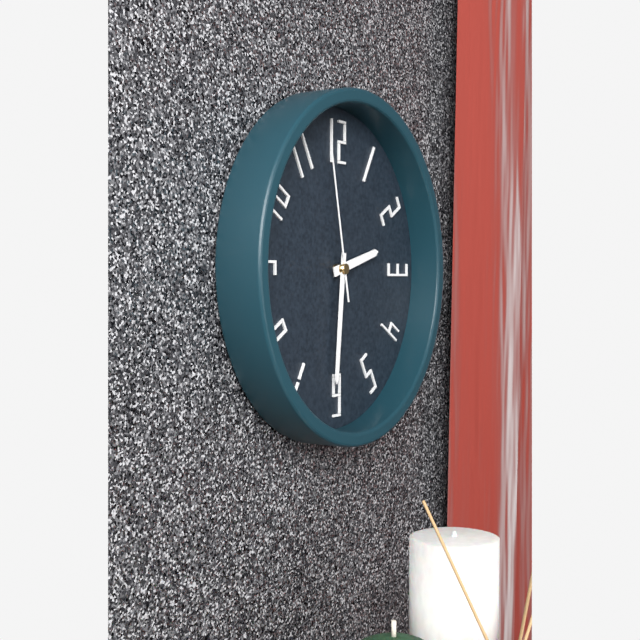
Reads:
h=2 m=31 s=58
